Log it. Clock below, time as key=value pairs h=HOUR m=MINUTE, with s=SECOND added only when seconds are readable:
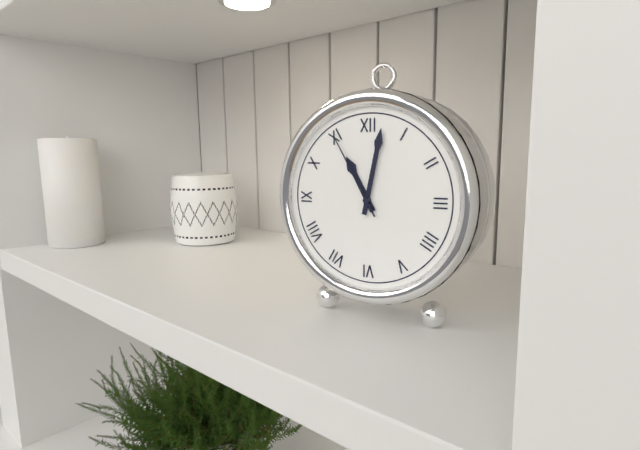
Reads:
h=11 m=2 s=55
